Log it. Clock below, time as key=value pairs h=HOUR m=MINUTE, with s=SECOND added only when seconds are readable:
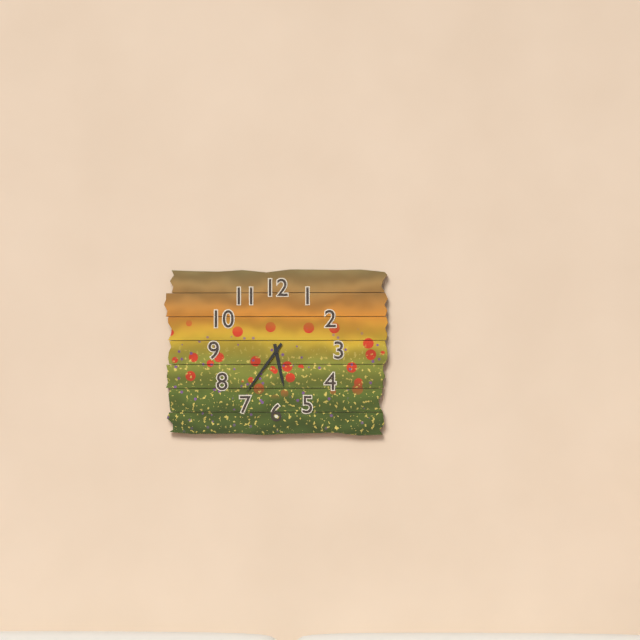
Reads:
h=5 m=36
